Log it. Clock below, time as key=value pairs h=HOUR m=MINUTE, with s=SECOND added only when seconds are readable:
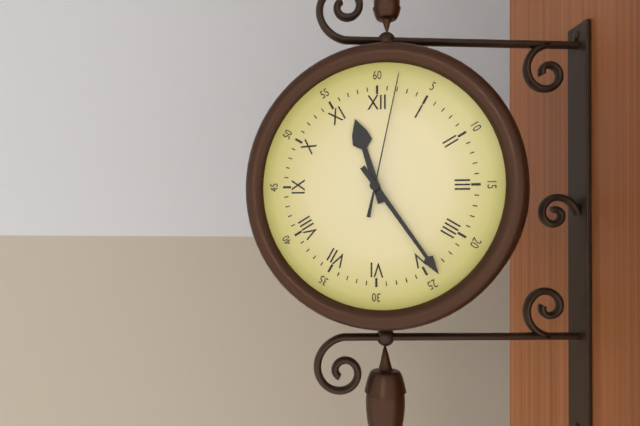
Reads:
h=11 m=24 s=2
